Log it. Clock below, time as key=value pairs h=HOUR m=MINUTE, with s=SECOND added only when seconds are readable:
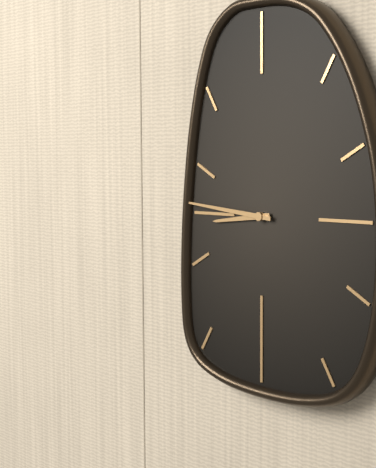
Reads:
h=8 m=46
